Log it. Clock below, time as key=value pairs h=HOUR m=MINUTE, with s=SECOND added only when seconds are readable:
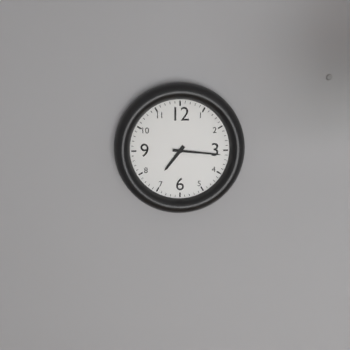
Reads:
h=7 m=16
